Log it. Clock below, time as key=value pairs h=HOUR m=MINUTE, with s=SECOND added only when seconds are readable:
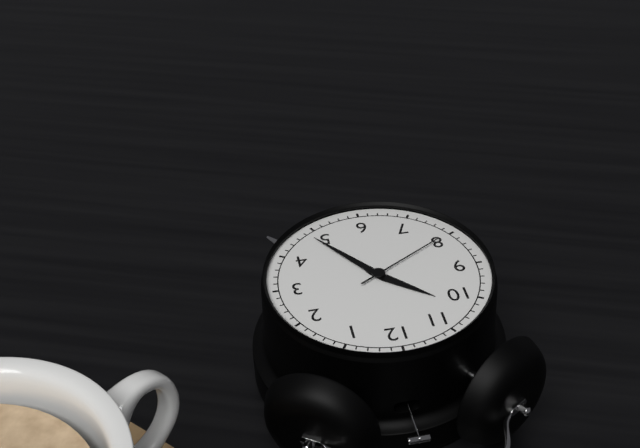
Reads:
h=10 m=24 s=40
